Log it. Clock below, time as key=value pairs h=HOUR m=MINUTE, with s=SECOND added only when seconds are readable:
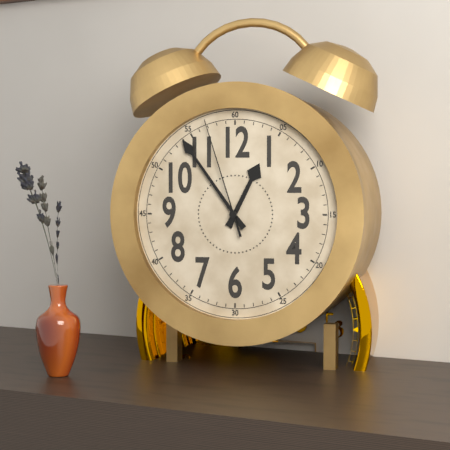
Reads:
h=12 m=54 s=57
